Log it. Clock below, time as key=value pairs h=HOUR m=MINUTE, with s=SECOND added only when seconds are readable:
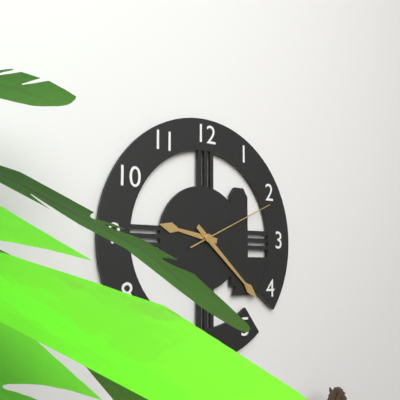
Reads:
h=9 m=22 s=11
